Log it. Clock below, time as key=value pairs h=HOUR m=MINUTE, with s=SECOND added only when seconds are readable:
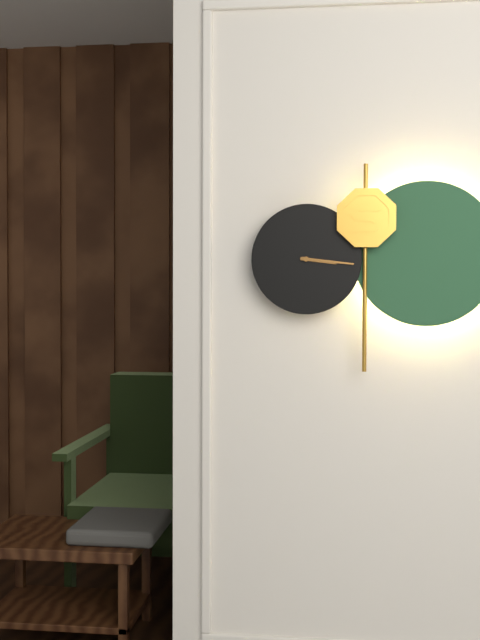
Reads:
h=3 m=16
